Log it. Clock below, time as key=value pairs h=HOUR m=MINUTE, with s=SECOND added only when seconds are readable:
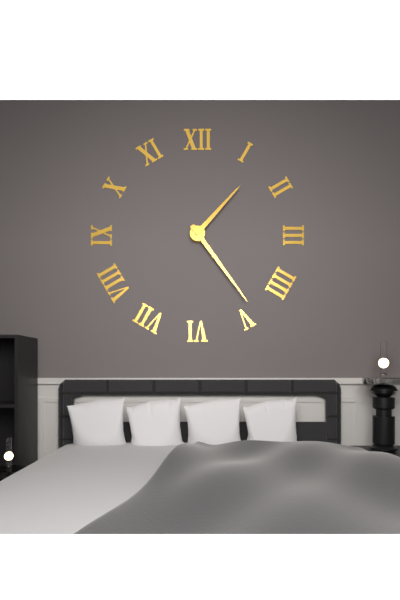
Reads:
h=1 m=24
